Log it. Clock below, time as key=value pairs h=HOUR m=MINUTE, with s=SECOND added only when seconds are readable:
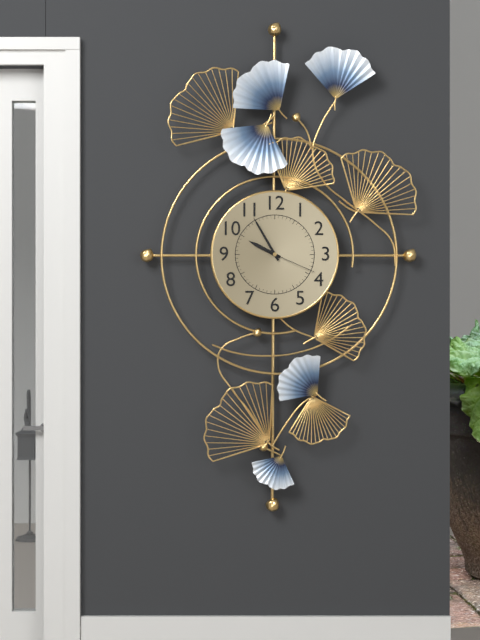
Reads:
h=9 m=55 s=19
